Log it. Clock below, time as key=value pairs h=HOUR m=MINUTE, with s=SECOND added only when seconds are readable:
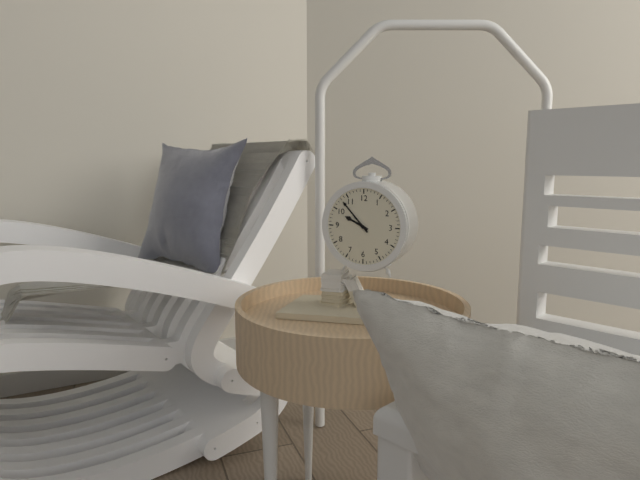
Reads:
h=9 m=53
